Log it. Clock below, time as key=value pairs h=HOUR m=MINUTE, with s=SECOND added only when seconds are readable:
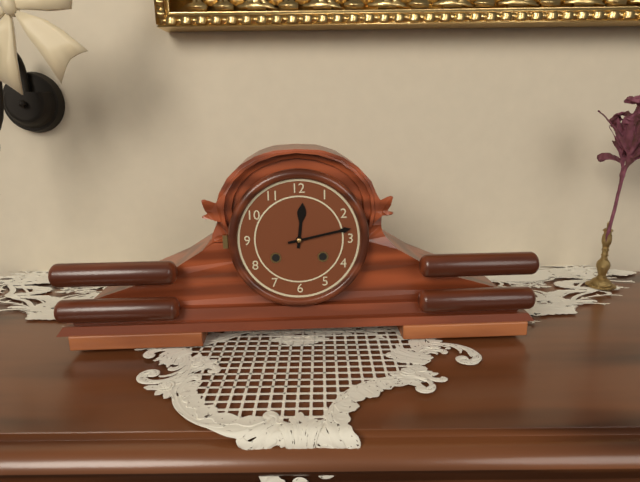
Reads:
h=12 m=13
